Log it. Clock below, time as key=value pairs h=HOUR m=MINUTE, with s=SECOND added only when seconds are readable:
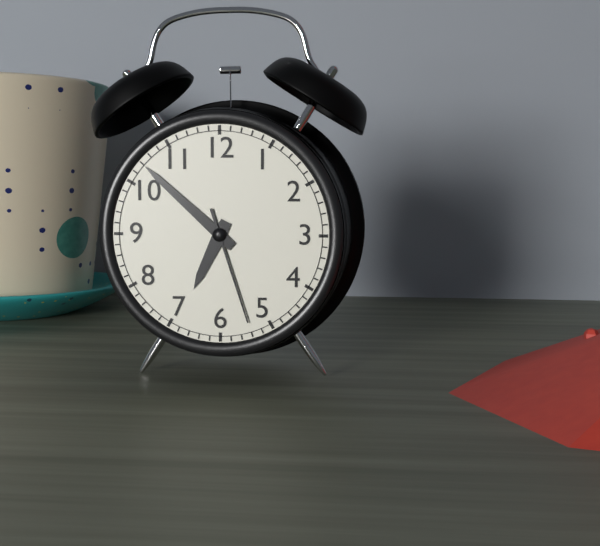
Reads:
h=6 m=52 s=27
